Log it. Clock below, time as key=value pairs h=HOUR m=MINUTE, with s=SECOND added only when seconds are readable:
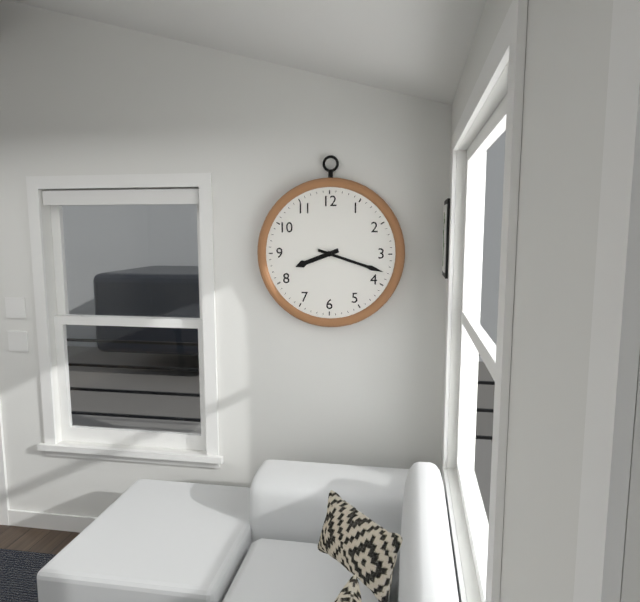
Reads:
h=8 m=18
